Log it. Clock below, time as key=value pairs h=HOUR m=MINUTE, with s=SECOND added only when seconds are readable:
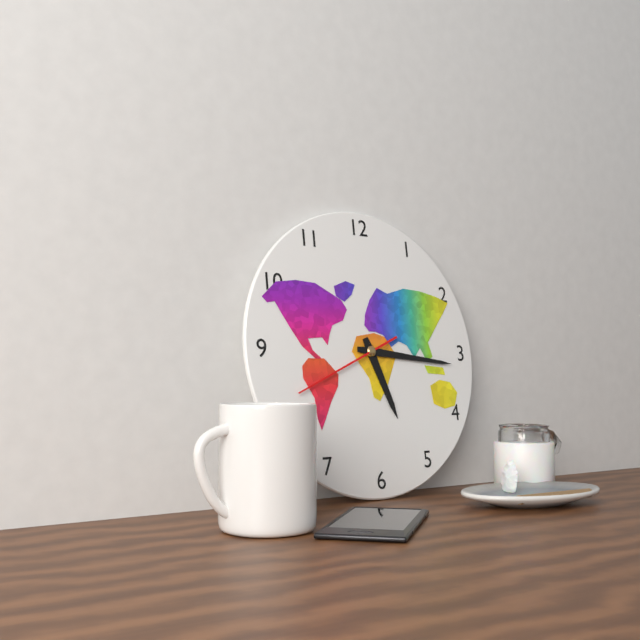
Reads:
h=5 m=16 s=41
